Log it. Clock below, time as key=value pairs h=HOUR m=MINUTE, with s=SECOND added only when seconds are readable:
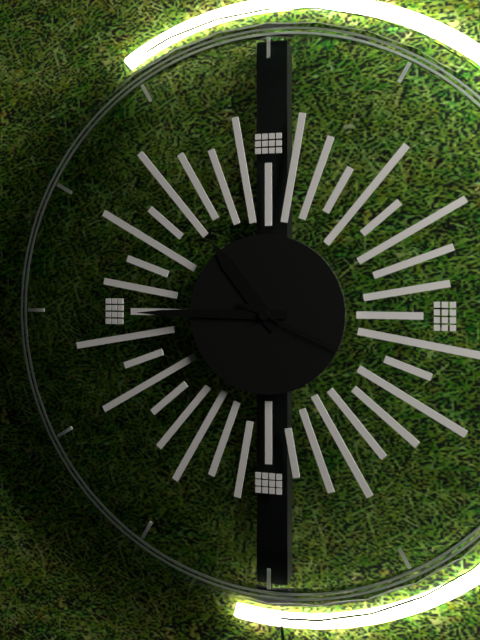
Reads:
h=10 m=45 s=19
